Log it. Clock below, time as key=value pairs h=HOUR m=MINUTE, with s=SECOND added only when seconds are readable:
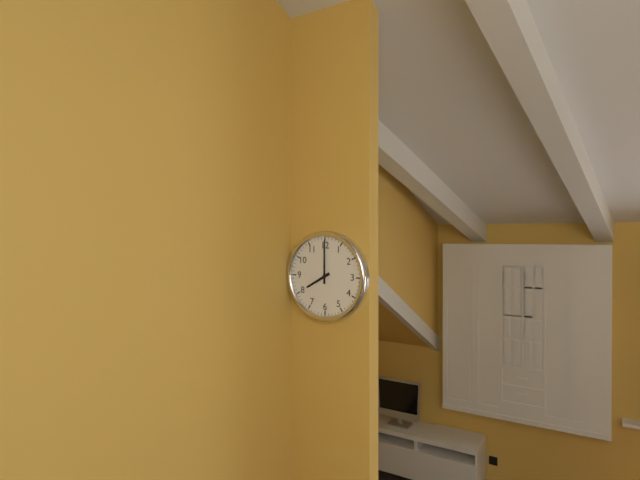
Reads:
h=8 m=0
